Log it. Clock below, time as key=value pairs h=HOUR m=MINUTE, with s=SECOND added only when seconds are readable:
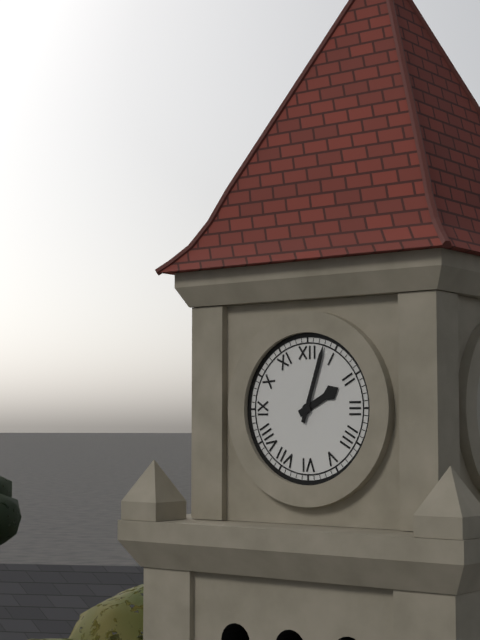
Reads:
h=2 m=3
